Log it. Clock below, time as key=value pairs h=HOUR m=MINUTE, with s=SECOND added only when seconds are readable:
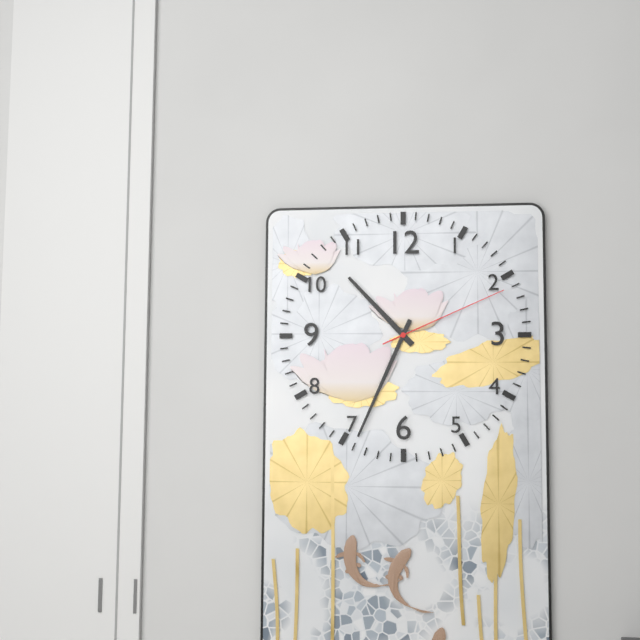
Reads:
h=10 m=34 s=11
